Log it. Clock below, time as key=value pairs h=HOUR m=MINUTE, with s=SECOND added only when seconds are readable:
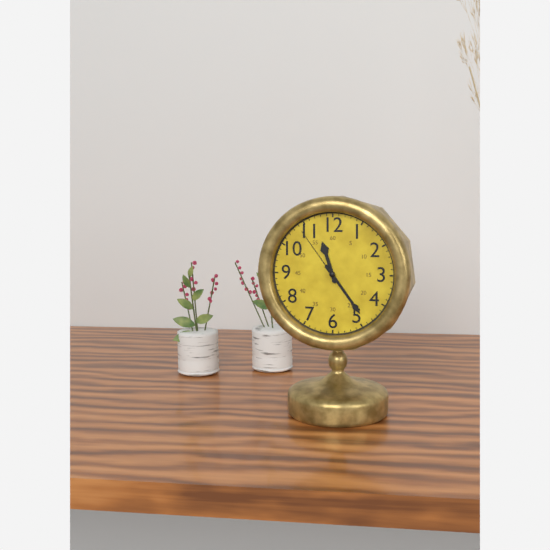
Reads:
h=11 m=24 s=54
